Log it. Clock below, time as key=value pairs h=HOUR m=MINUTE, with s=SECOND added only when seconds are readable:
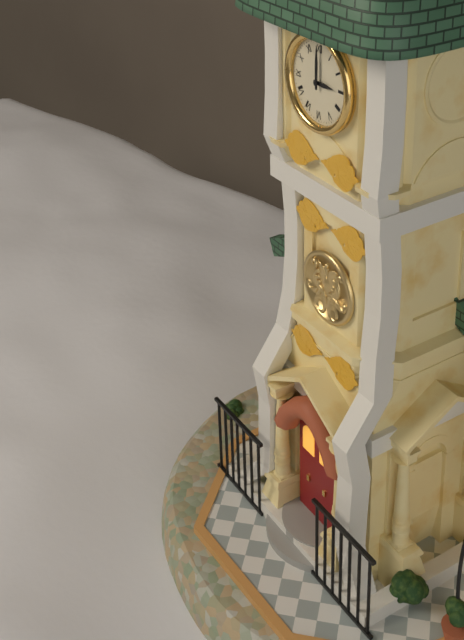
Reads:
h=3 m=0
